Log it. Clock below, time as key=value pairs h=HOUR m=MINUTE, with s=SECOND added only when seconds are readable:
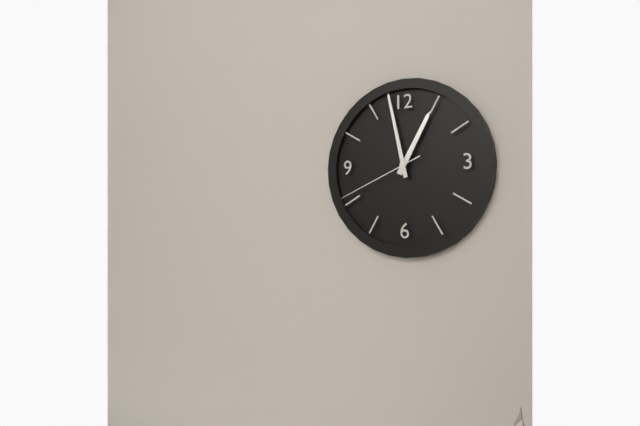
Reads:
h=12 m=58 s=41
